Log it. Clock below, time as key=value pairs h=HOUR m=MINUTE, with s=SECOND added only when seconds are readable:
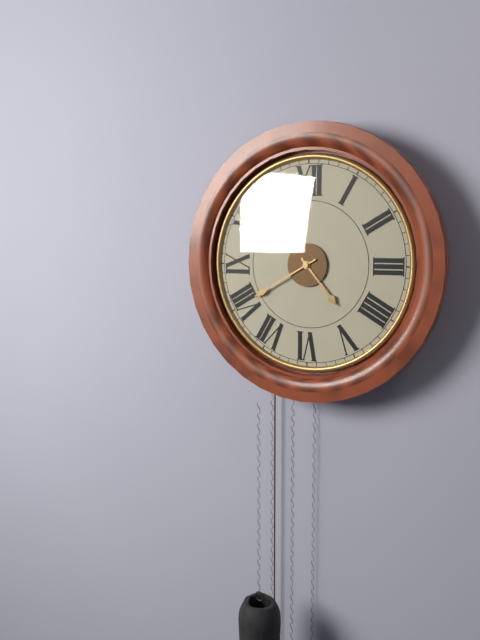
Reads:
h=4 m=40
